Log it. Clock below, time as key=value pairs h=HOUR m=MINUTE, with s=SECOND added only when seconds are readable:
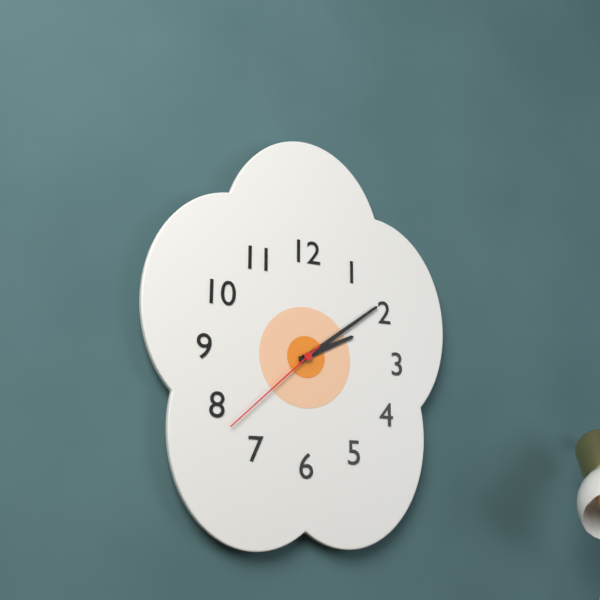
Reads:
h=2 m=9 s=38
